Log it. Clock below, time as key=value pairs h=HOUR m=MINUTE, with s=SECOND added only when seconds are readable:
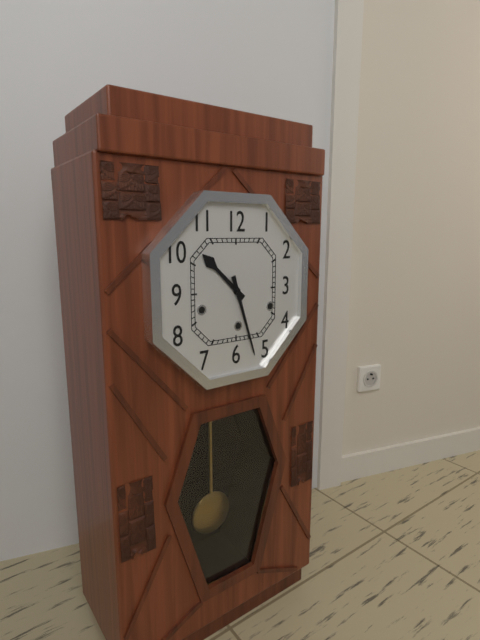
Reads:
h=10 m=27
